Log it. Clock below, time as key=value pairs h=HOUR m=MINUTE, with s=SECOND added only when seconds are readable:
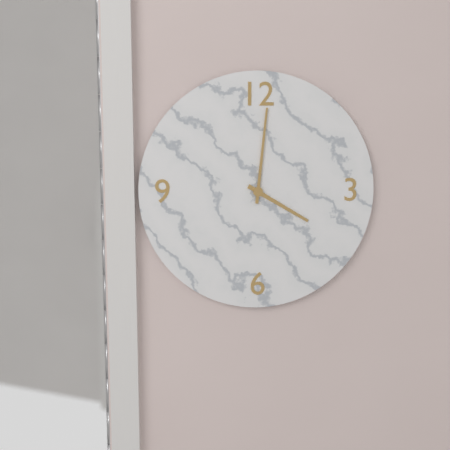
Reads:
h=4 m=1
